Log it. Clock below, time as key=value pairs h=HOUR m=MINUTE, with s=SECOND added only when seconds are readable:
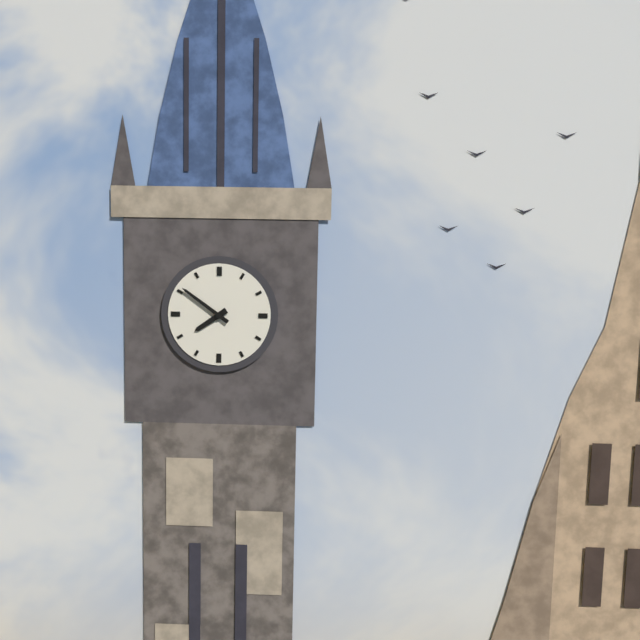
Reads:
h=7 m=51
